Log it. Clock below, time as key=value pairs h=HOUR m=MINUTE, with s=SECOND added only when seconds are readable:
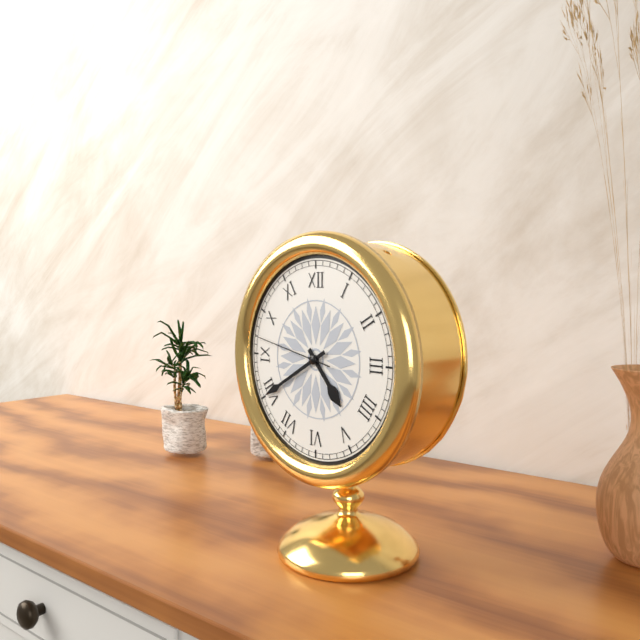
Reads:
h=4 m=40 s=47
